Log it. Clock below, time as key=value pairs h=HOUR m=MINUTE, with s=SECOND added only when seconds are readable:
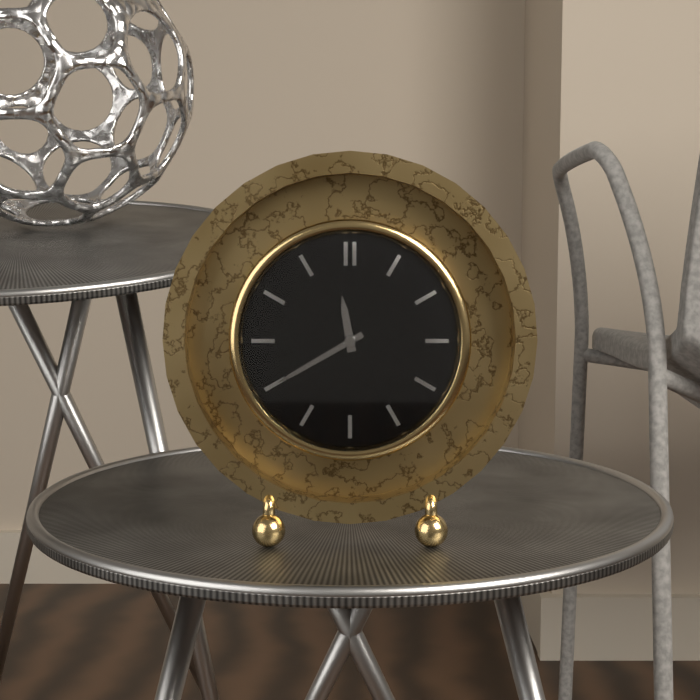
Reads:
h=11 m=40
